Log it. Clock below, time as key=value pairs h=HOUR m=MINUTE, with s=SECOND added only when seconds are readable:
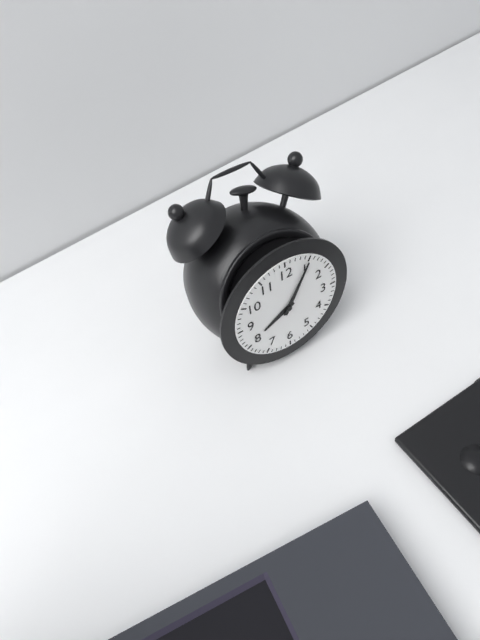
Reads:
h=8 m=5
